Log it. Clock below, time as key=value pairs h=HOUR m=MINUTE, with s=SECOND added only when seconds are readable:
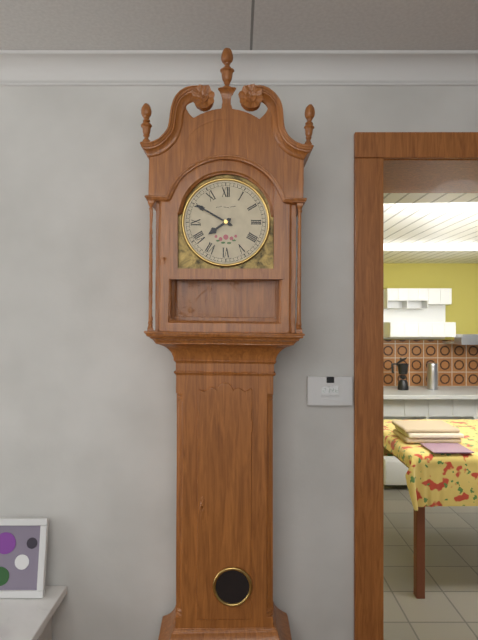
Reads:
h=7 m=50
